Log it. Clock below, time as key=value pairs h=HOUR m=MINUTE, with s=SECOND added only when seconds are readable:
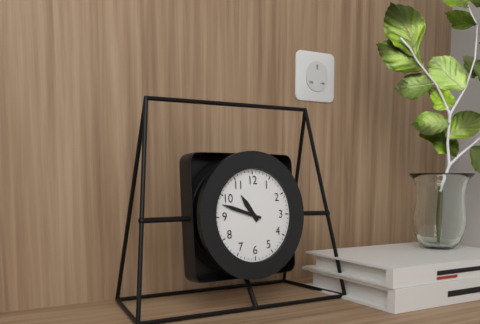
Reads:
h=10 m=48
